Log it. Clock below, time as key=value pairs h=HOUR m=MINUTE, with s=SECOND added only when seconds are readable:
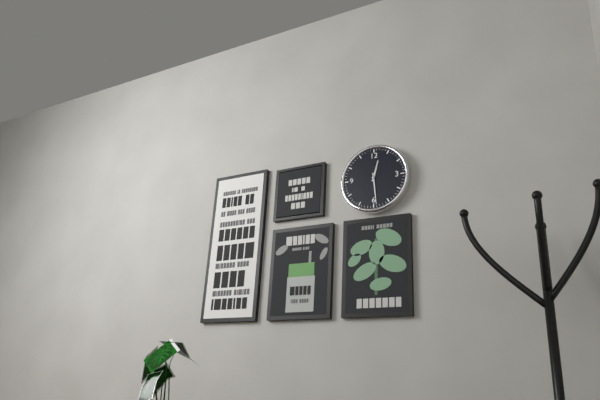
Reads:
h=12 m=29
